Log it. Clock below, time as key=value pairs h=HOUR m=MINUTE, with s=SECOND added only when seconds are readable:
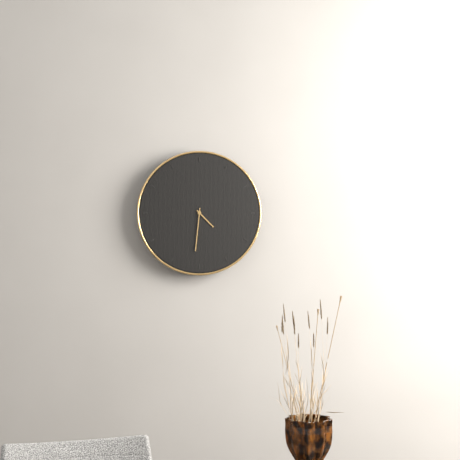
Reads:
h=4 m=31
